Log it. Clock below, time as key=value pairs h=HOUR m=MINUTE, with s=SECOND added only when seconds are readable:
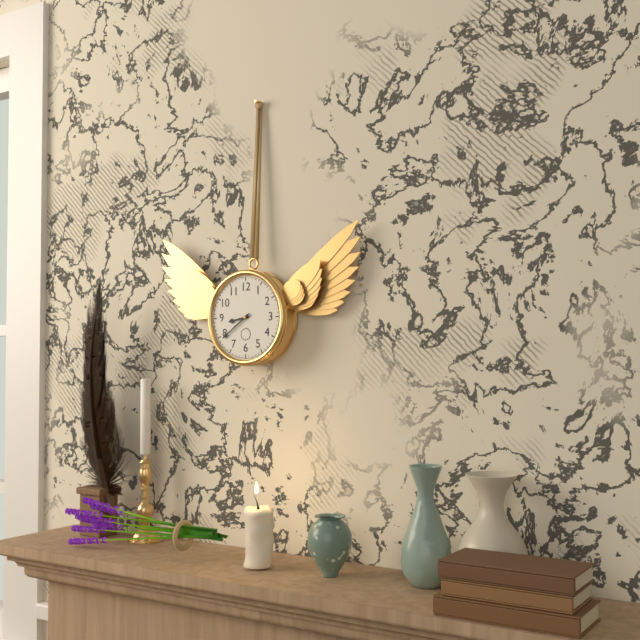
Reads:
h=8 m=39
